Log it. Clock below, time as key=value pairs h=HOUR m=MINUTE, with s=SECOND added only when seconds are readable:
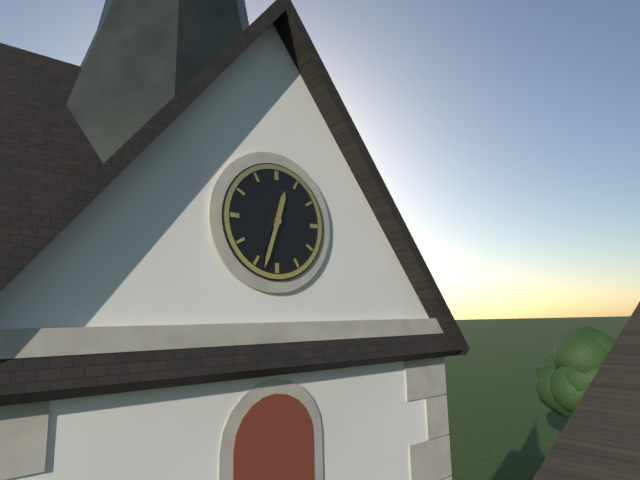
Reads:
h=12 m=33
